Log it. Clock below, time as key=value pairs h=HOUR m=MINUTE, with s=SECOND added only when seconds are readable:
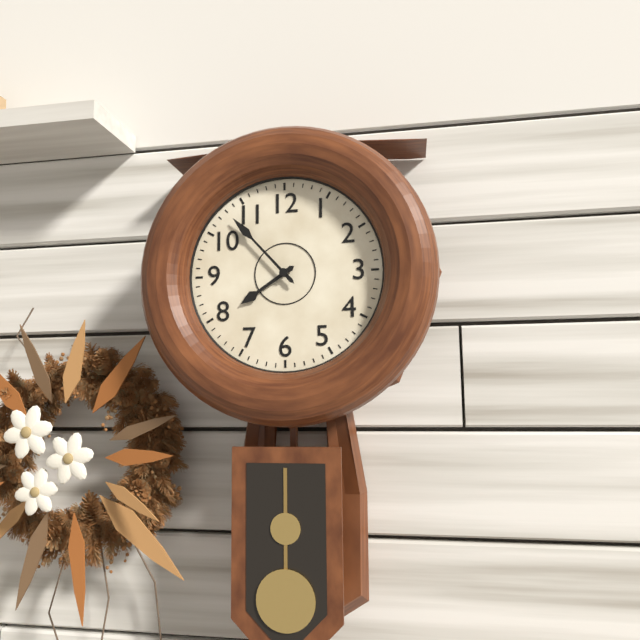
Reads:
h=7 m=53
